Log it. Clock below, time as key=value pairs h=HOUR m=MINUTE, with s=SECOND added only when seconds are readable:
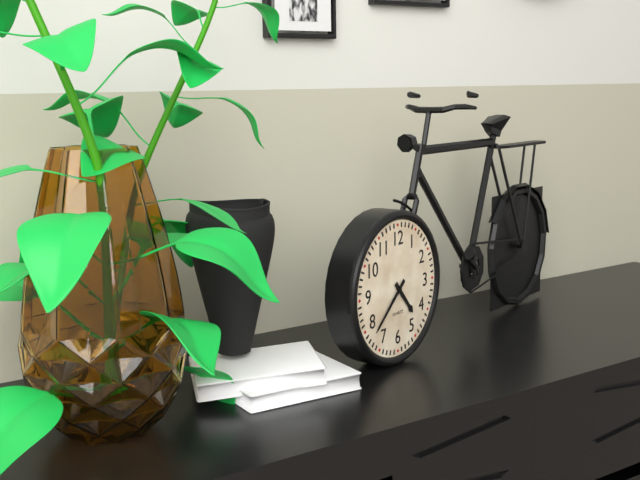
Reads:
h=4 m=38
